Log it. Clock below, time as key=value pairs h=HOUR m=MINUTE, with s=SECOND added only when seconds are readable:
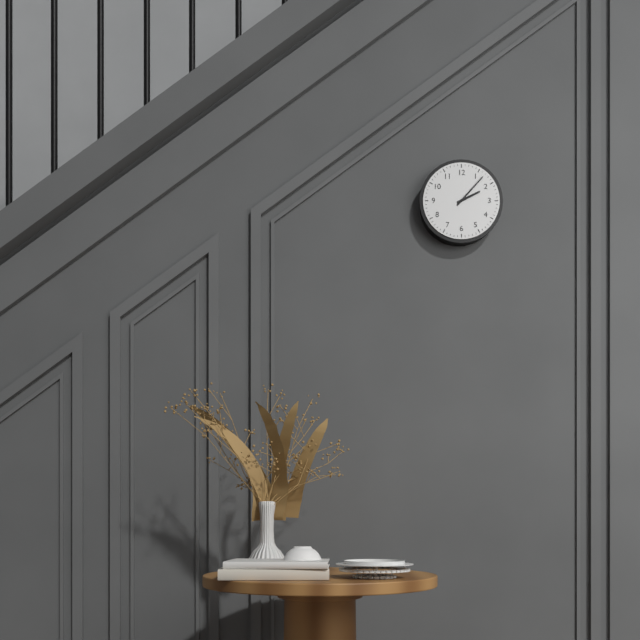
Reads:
h=2 m=7
